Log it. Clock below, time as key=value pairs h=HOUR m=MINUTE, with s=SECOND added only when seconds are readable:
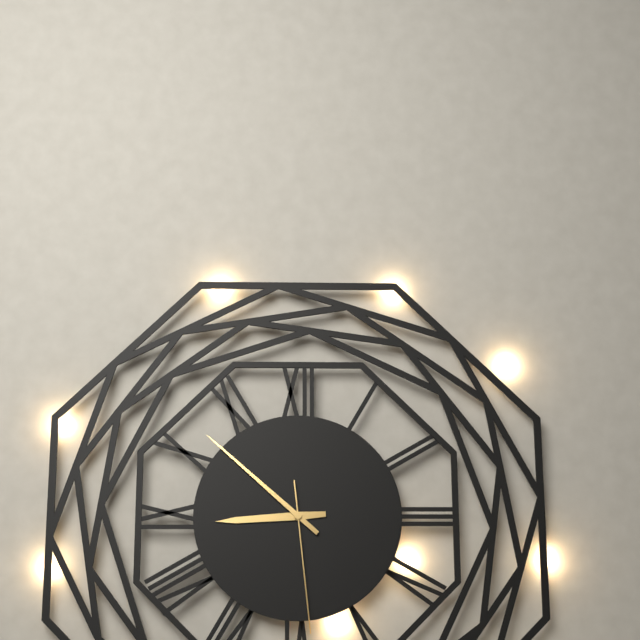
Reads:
h=8 m=52 s=29
